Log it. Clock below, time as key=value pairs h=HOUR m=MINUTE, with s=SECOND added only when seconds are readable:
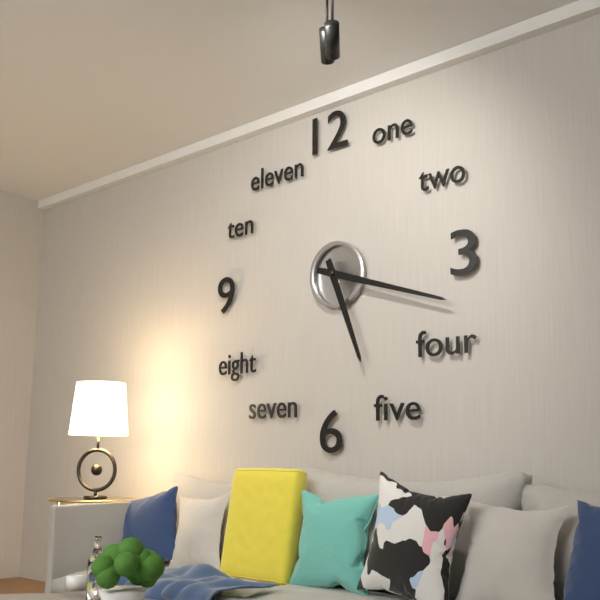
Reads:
h=5 m=18
